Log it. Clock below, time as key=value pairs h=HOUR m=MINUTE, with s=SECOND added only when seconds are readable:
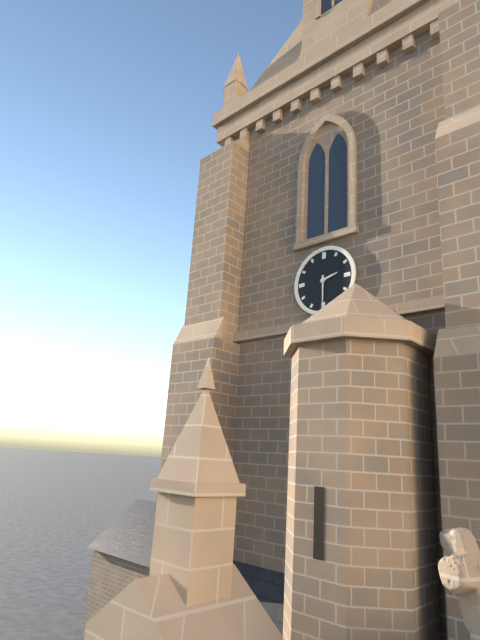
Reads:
h=2 m=30
